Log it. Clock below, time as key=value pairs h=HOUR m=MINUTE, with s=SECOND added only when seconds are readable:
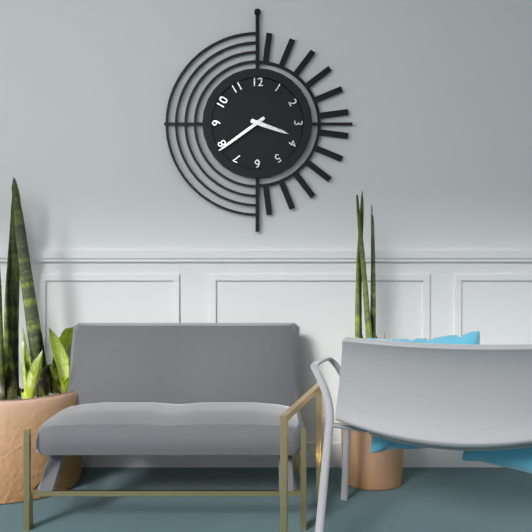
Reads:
h=3 m=39
